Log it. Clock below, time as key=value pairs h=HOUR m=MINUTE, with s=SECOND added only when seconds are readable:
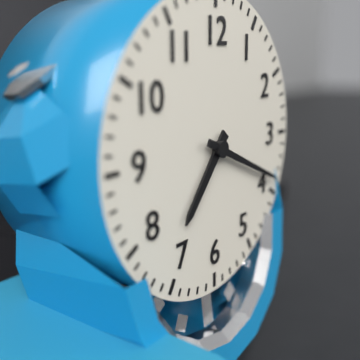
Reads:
h=7 m=19
